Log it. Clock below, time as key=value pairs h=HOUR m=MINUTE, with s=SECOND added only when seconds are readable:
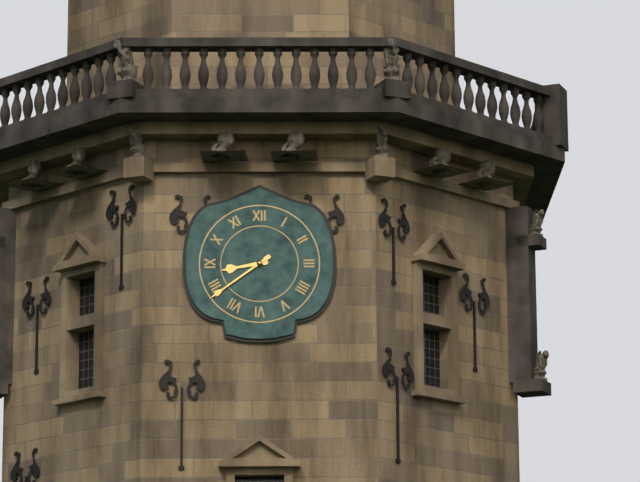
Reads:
h=8 m=39
